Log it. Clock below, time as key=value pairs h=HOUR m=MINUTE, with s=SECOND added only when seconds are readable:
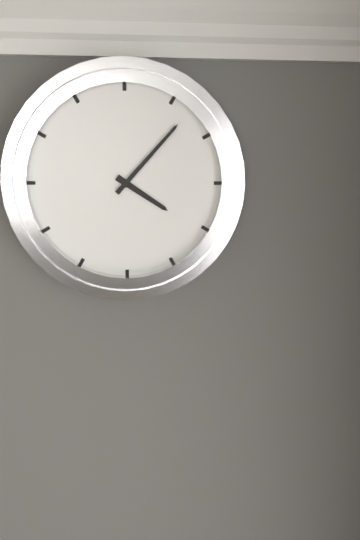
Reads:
h=4 m=7
